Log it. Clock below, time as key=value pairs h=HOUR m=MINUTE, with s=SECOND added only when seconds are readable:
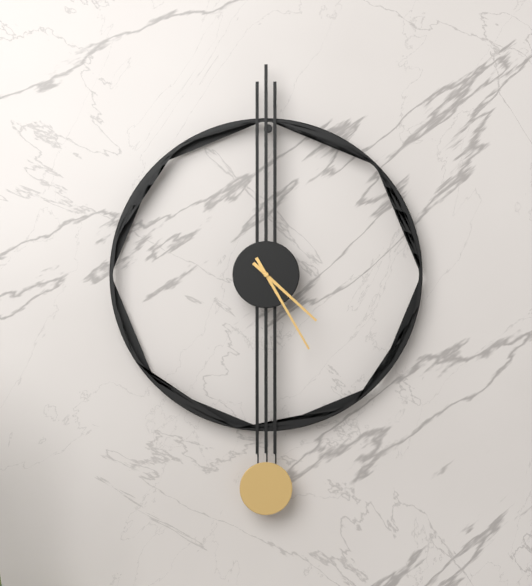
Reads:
h=4 m=25
